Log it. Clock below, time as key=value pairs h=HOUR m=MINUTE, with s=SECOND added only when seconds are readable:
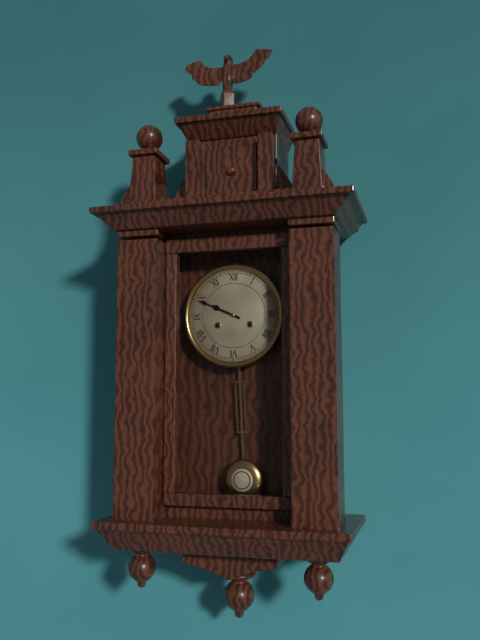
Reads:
h=9 m=49
